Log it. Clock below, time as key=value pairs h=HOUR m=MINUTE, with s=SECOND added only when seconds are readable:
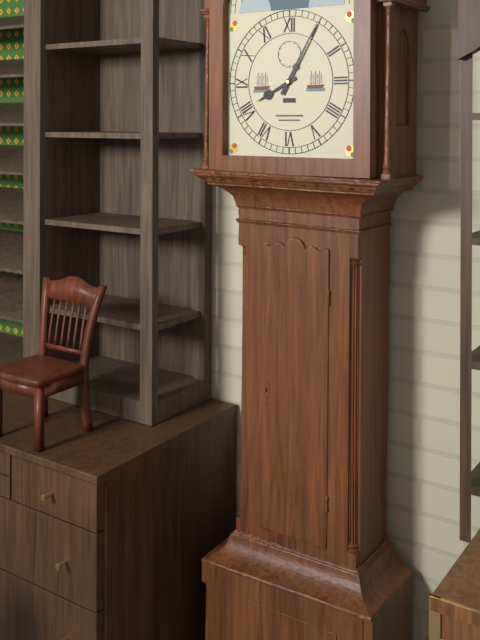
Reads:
h=8 m=5
